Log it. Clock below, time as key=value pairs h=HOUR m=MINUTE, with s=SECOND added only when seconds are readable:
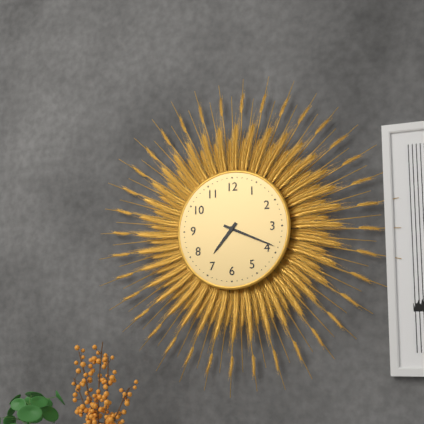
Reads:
h=7 m=19
